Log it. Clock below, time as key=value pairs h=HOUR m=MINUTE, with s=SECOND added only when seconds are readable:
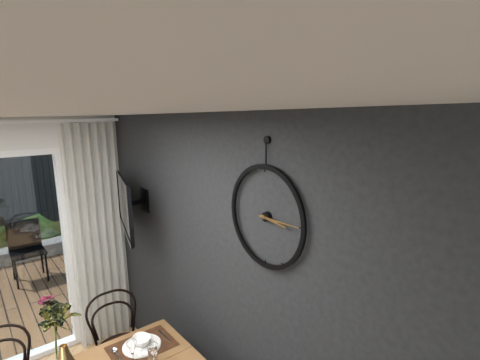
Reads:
h=3 m=15
